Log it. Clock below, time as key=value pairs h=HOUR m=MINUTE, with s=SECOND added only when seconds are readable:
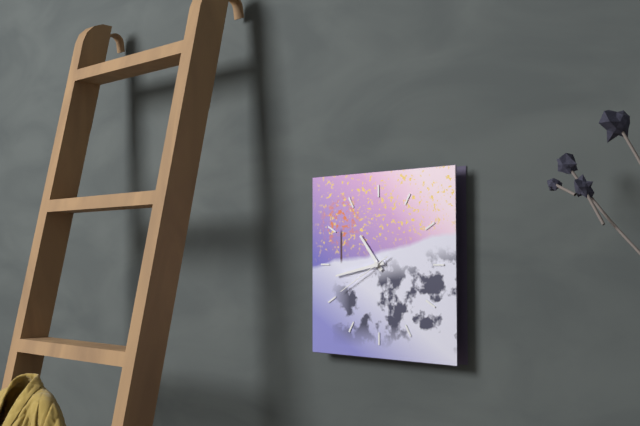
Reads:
h=10 m=43 s=40
